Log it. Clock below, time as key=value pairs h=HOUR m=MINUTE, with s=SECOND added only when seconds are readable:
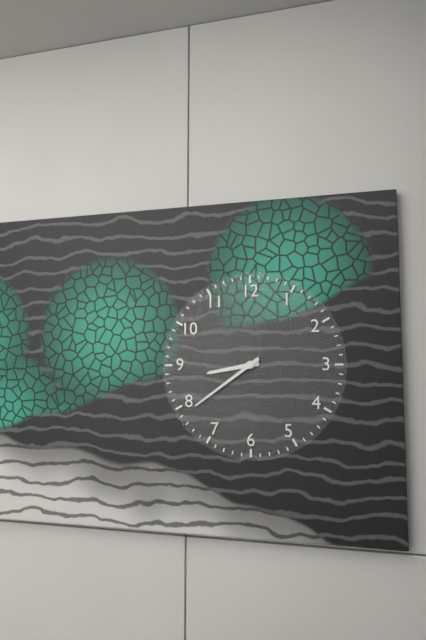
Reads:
h=8 m=39
